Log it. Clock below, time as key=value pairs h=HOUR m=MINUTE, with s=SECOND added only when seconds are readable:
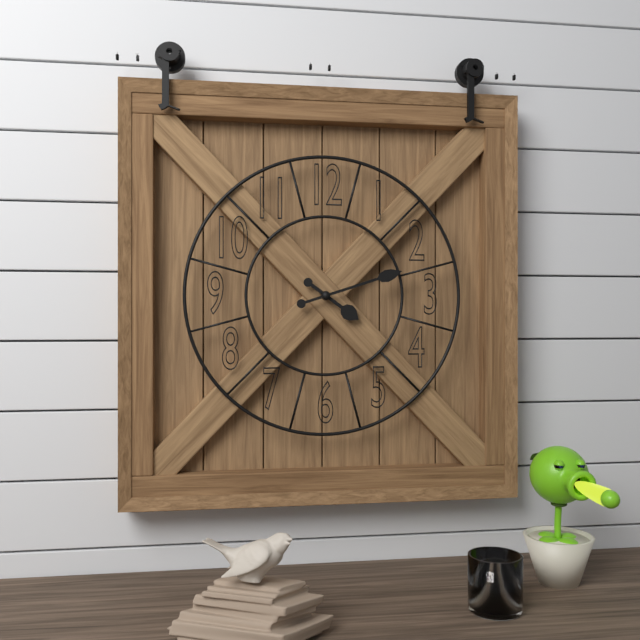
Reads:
h=4 m=12
